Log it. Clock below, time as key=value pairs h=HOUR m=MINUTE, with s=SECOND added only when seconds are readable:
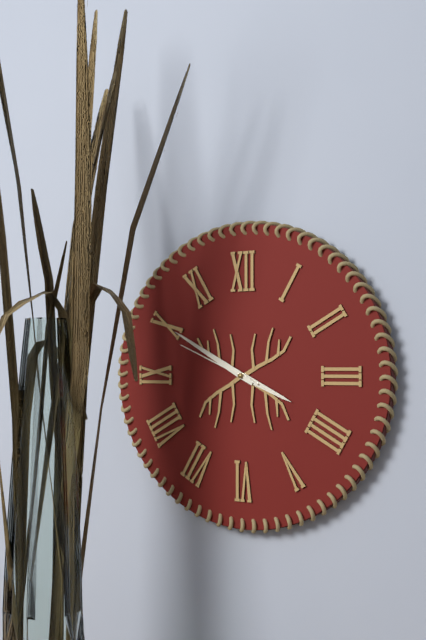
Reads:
h=3 m=50 s=49
